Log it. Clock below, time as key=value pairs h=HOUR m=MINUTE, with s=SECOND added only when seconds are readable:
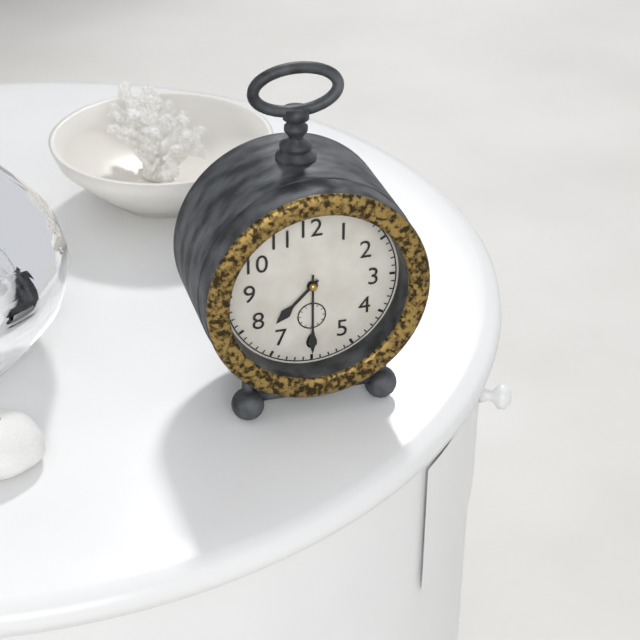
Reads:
h=7 m=30
